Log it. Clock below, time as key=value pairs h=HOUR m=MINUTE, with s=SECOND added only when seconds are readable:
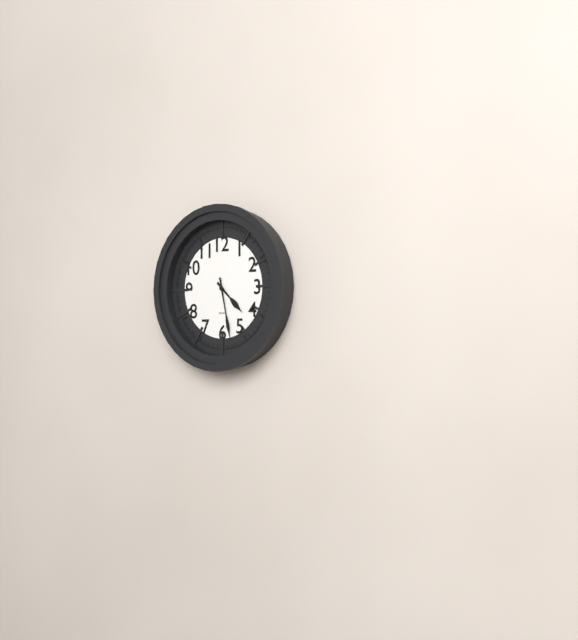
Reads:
h=4 m=28
